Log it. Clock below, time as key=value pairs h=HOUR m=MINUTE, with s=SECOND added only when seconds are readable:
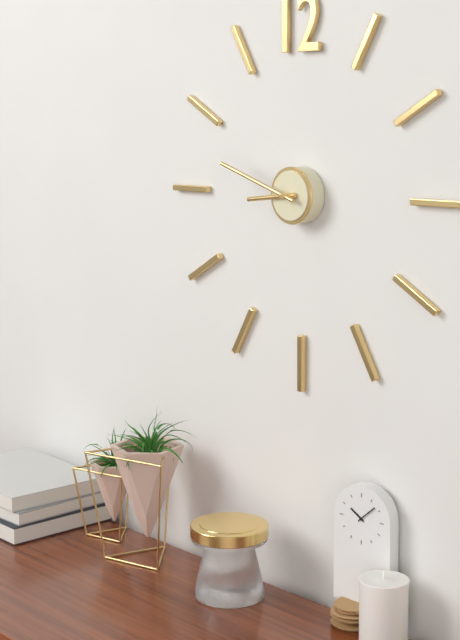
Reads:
h=8 m=48
